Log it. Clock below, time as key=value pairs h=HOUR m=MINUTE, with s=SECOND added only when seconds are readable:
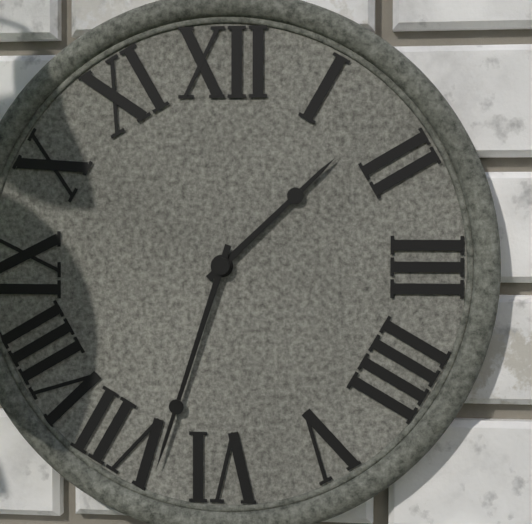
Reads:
h=1 m=33
